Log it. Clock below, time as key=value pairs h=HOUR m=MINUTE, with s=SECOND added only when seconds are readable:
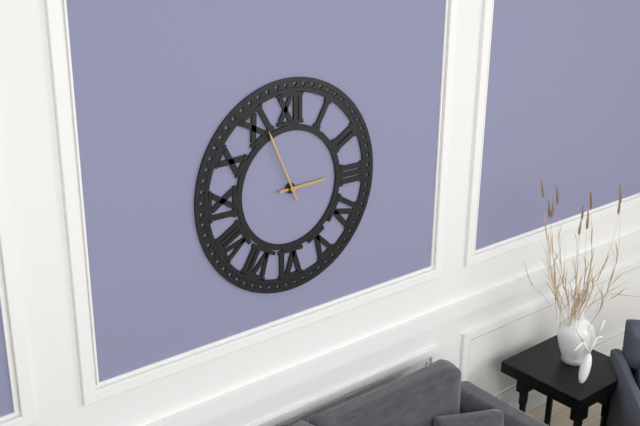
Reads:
h=2 m=56
